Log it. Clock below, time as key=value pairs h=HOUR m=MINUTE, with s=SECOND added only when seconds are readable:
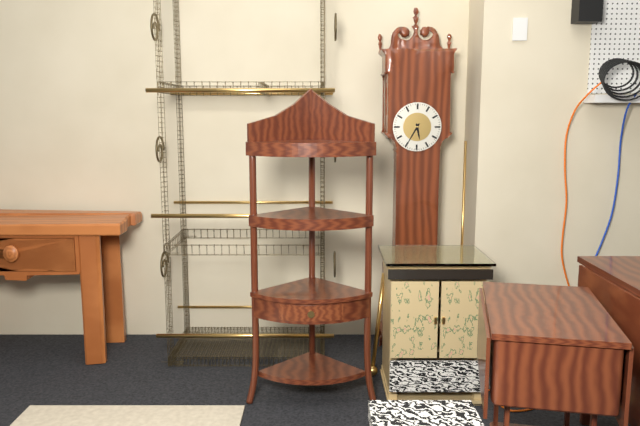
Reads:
h=5 m=35
